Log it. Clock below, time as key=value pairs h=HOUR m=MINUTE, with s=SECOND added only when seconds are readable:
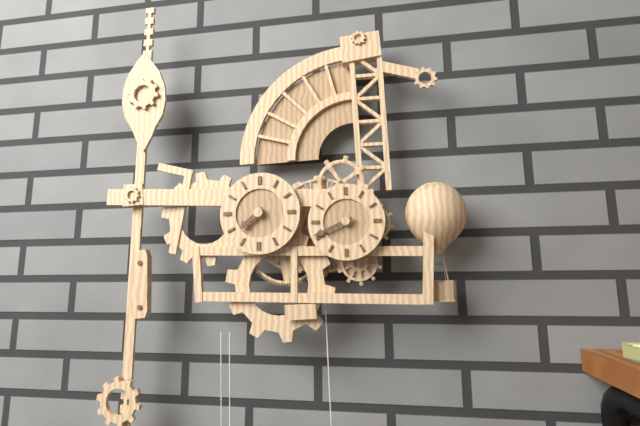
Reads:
h=7 m=41
